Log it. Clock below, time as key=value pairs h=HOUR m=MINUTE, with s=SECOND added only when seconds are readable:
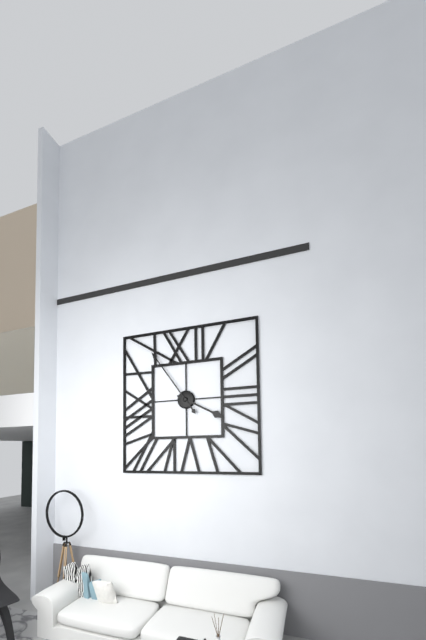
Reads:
h=3 m=54
